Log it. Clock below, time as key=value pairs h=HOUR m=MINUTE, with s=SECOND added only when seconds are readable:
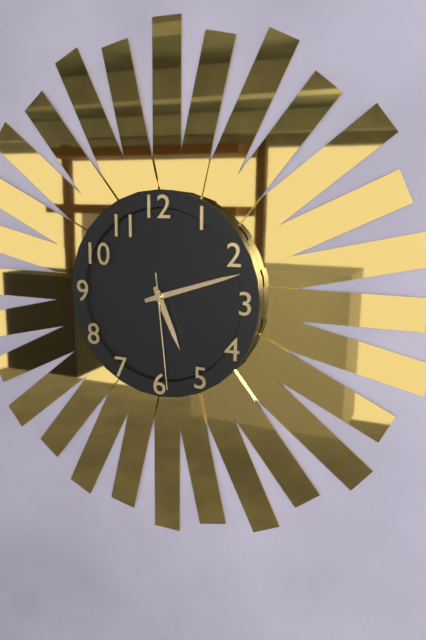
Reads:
h=5 m=12 s=29
